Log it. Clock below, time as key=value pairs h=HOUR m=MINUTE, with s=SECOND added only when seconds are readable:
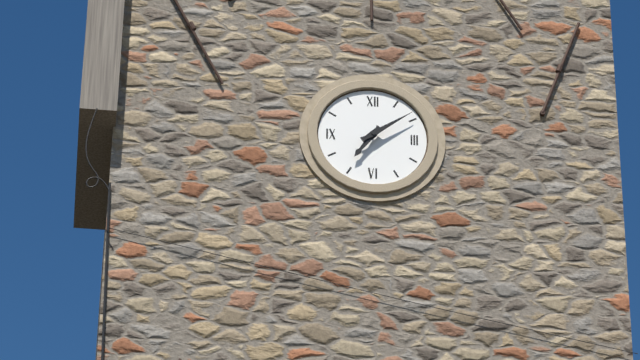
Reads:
h=7 m=9
